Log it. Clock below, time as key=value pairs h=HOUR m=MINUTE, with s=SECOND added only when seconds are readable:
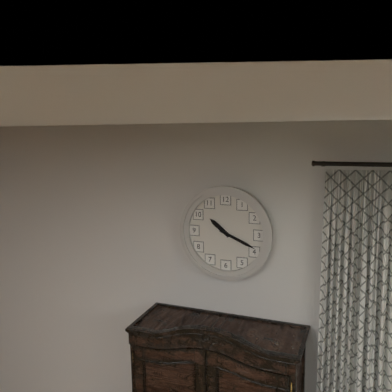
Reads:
h=10 m=19
